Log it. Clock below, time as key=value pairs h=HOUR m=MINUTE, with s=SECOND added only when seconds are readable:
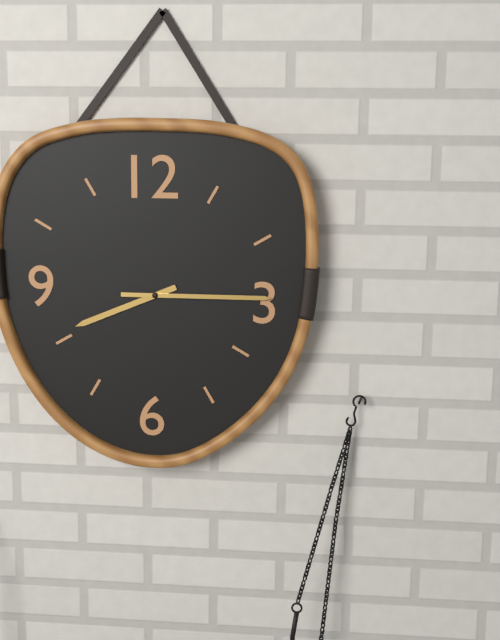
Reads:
h=8 m=15
